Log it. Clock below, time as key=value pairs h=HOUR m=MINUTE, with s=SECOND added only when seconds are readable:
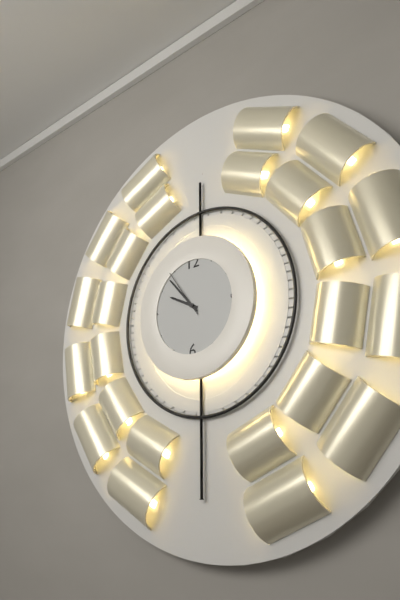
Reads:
h=9 m=53
